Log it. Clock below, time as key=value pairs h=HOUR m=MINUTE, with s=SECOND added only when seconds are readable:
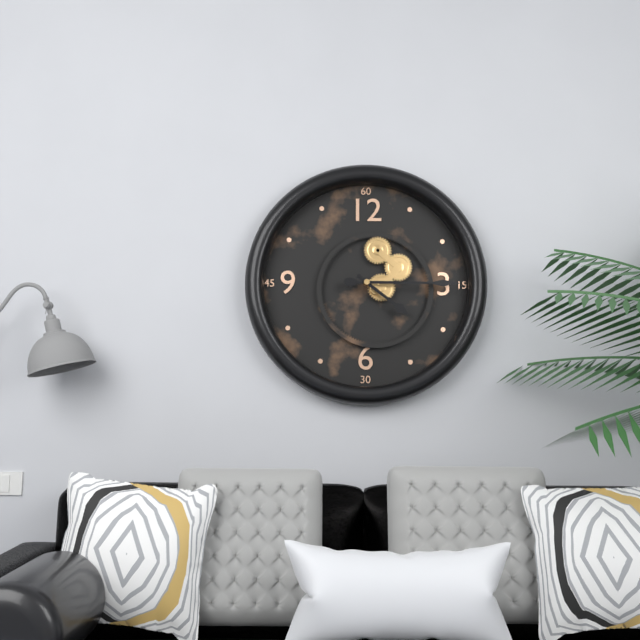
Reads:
h=4 m=15
